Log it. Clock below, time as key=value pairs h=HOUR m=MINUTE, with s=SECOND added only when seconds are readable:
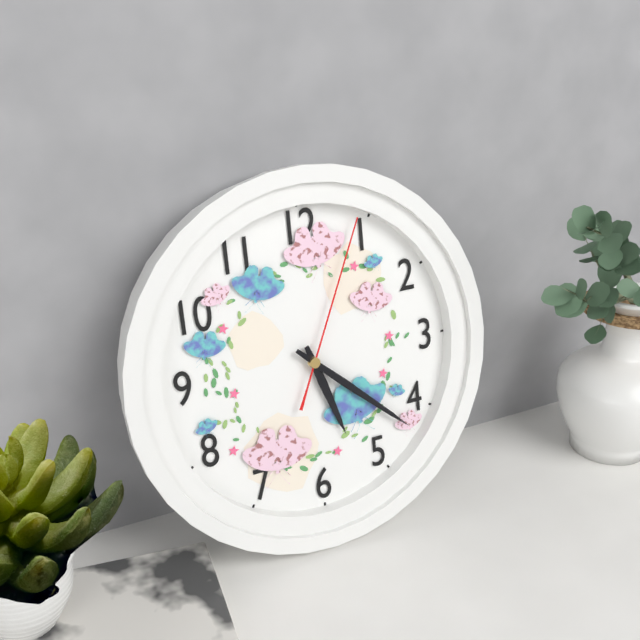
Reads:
h=5 m=22 s=4
